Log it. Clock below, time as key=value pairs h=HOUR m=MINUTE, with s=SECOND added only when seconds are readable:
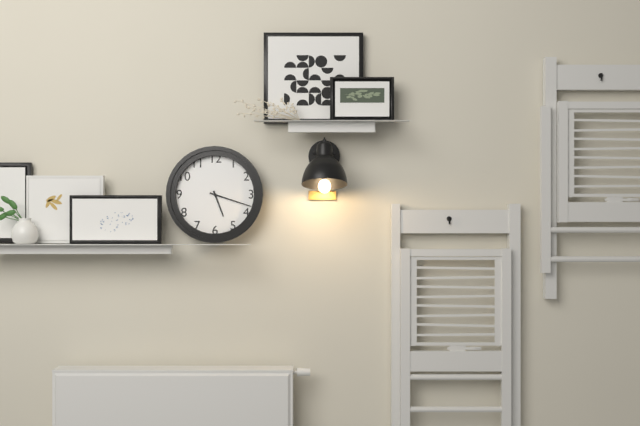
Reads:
h=5 m=18
